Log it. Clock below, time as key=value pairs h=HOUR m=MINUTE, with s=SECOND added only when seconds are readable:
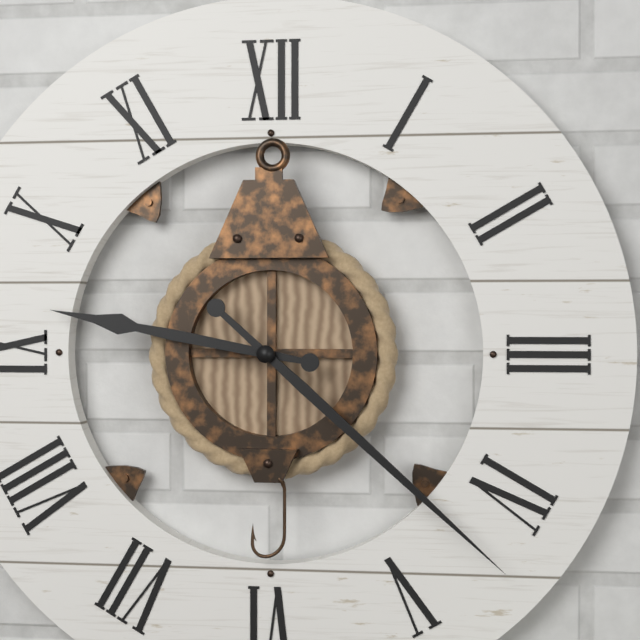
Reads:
h=9 m=22
